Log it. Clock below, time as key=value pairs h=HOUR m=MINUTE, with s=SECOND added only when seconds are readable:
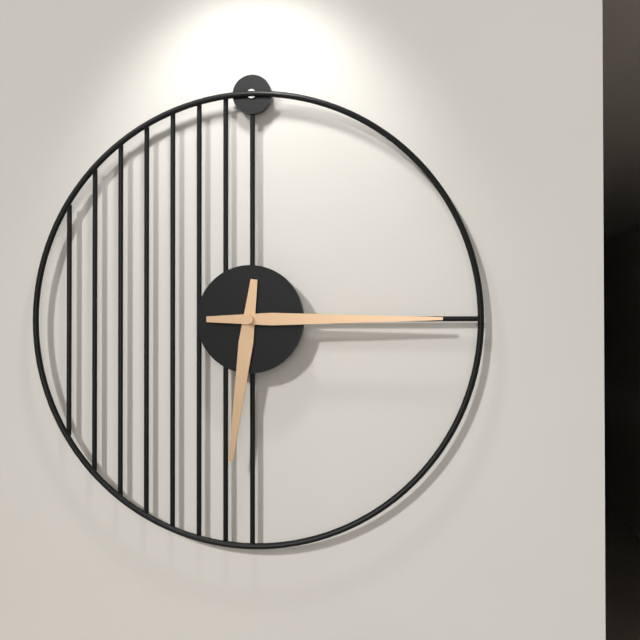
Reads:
h=6 m=15
